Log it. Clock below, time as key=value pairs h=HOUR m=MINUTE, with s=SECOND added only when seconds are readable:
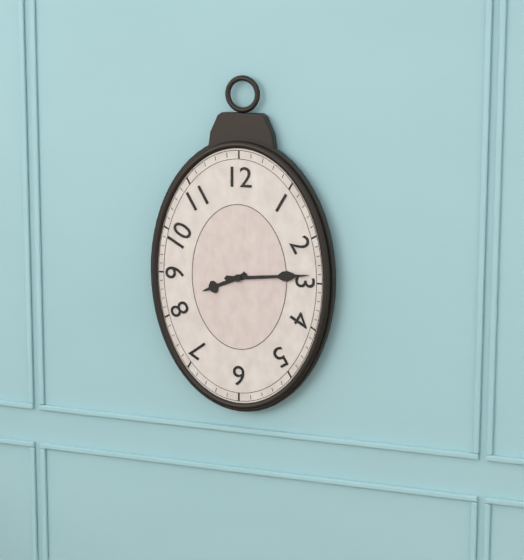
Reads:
h=8 m=14
